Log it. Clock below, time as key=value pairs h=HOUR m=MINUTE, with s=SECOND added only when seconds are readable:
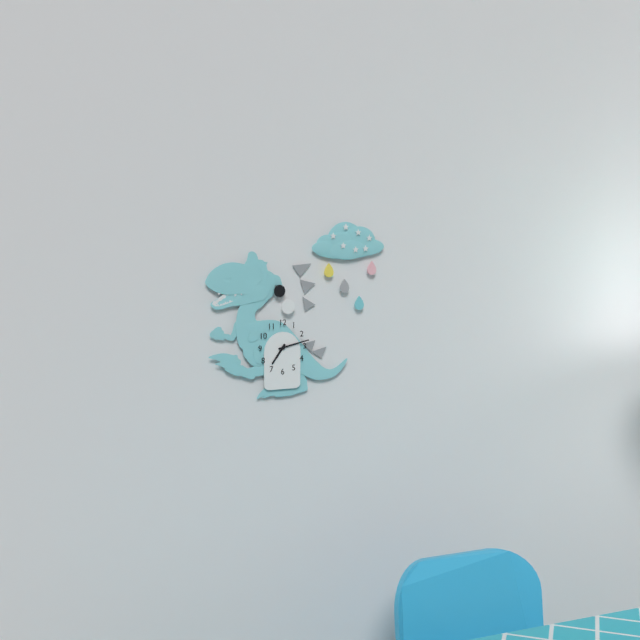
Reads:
h=7 m=13
